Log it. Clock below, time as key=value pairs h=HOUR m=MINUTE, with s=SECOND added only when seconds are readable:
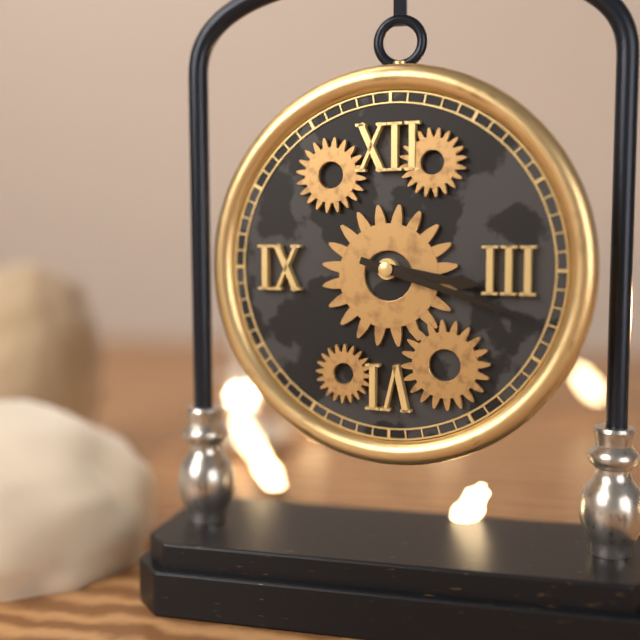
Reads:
h=3 m=18
